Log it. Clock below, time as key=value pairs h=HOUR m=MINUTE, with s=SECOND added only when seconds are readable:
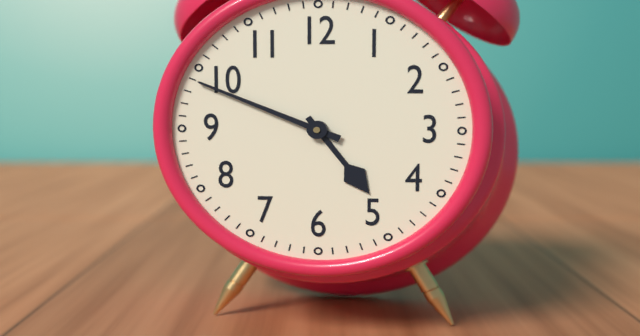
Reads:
h=4 m=49
